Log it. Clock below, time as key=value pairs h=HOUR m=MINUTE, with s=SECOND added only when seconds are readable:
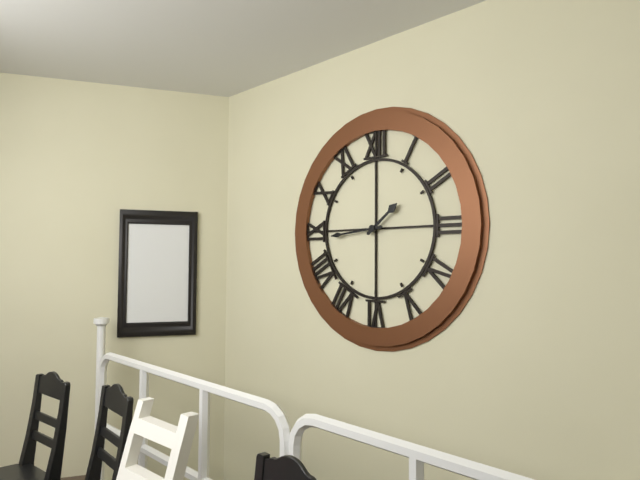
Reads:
h=1 m=44
